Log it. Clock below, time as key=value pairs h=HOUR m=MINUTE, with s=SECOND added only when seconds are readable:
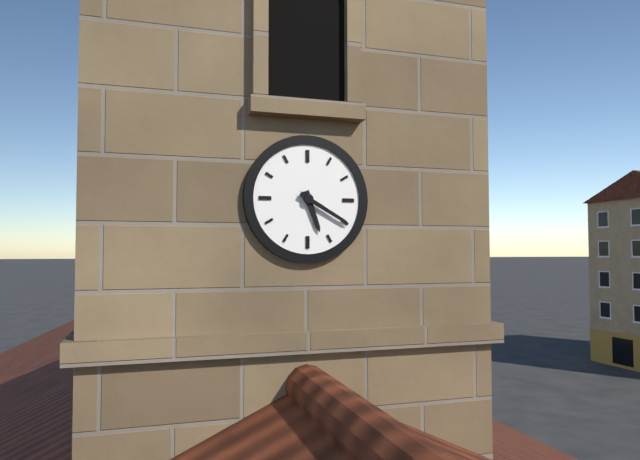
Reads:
h=5 m=20
